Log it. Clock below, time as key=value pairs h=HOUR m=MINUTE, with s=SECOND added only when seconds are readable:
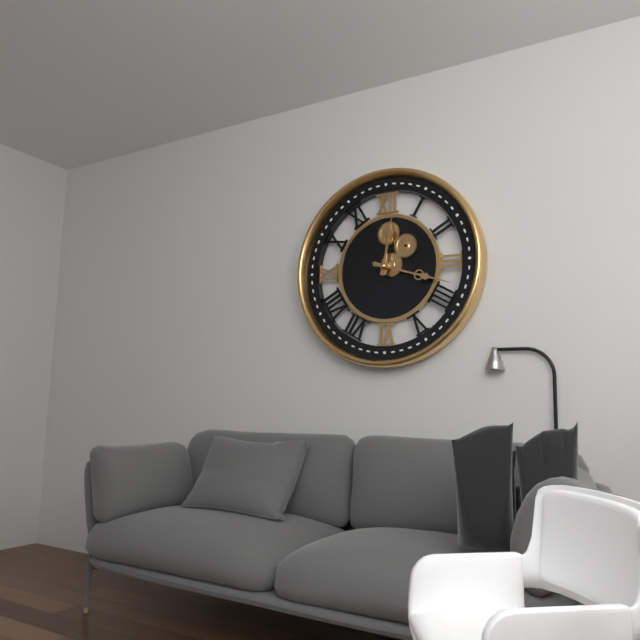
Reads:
h=12 m=18
